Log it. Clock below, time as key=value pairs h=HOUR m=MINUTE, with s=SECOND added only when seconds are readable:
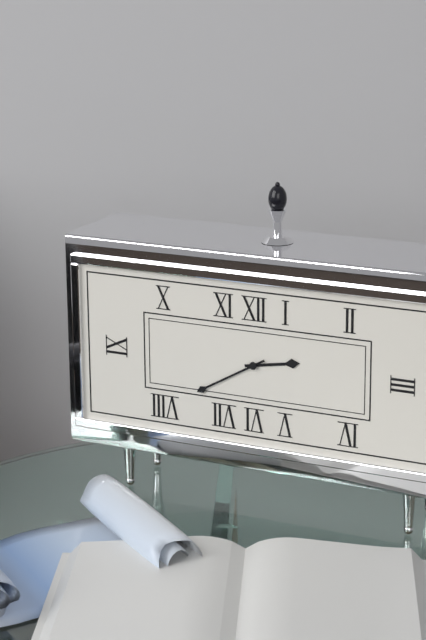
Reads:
h=2 m=40
